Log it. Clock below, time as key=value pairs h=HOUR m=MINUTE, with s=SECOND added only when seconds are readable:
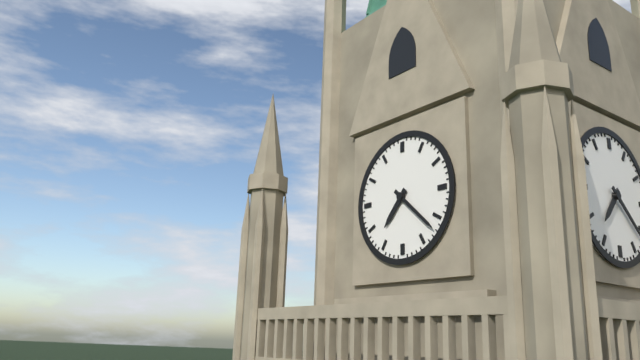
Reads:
h=7 m=22
